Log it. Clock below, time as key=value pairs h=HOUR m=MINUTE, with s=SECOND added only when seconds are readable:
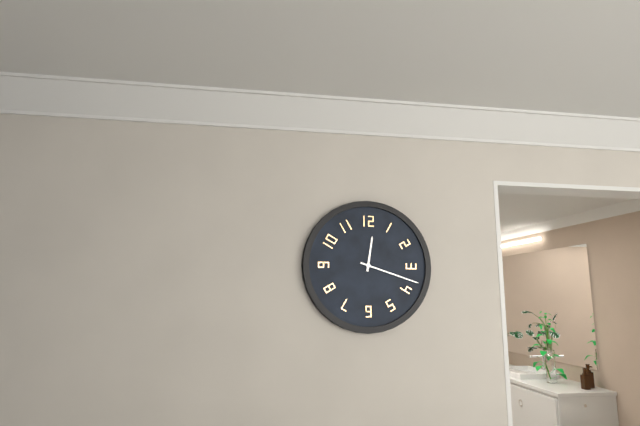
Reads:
h=12 m=18
